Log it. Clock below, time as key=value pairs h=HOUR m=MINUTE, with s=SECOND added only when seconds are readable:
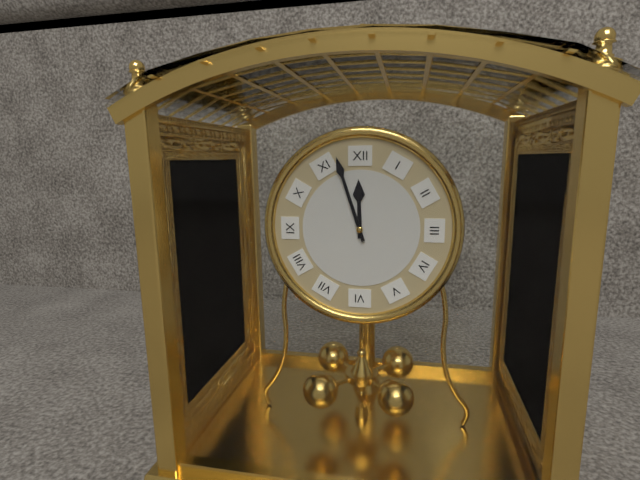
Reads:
h=11 m=57
